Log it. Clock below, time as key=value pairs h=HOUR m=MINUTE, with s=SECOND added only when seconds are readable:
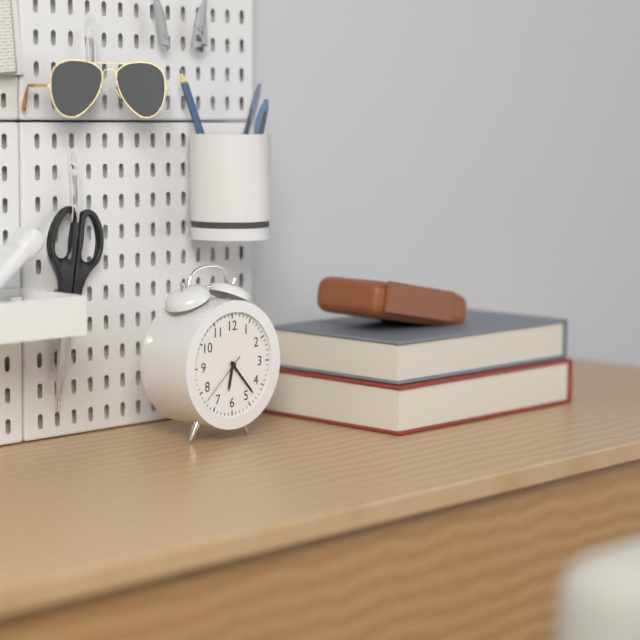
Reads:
h=6 m=23 s=38
